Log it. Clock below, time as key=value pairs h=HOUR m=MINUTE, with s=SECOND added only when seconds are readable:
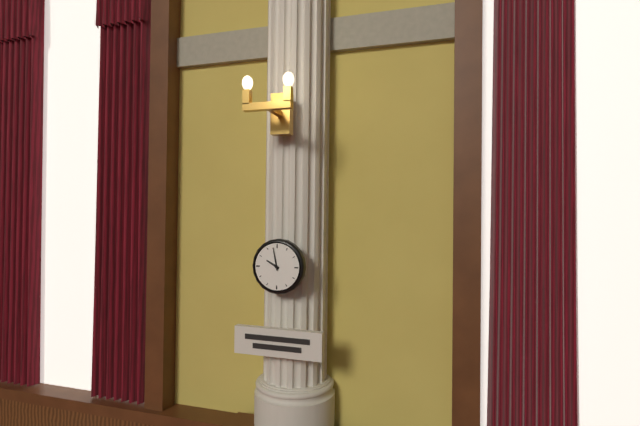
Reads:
h=9 m=58
